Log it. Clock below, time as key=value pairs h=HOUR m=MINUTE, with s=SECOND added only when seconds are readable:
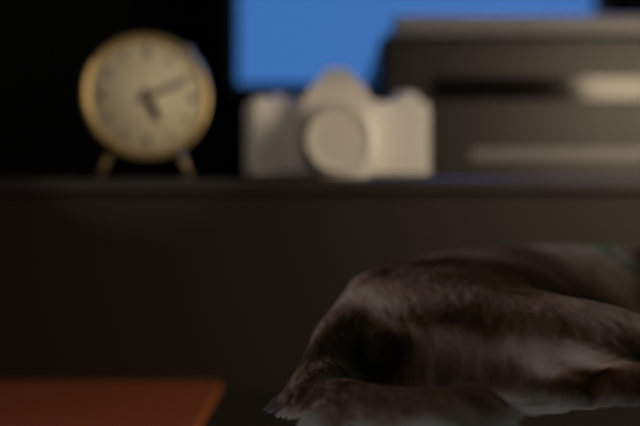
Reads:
h=5 m=11
